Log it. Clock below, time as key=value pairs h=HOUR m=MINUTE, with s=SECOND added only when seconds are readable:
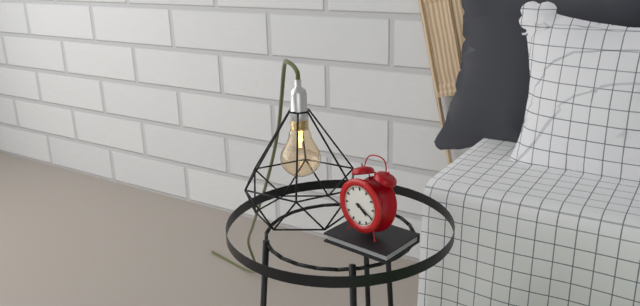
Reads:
h=4 m=19
